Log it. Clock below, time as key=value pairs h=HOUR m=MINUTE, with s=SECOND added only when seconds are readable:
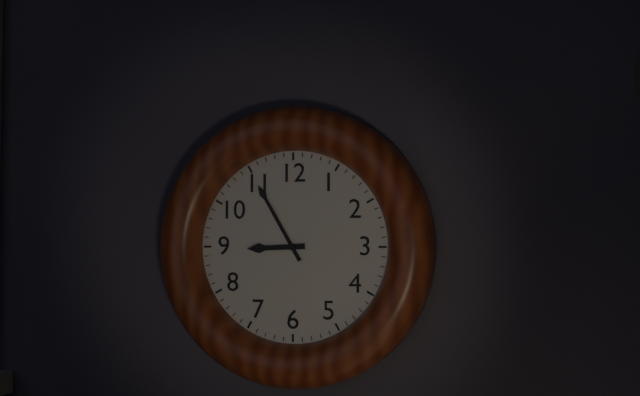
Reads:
h=8 m=55
